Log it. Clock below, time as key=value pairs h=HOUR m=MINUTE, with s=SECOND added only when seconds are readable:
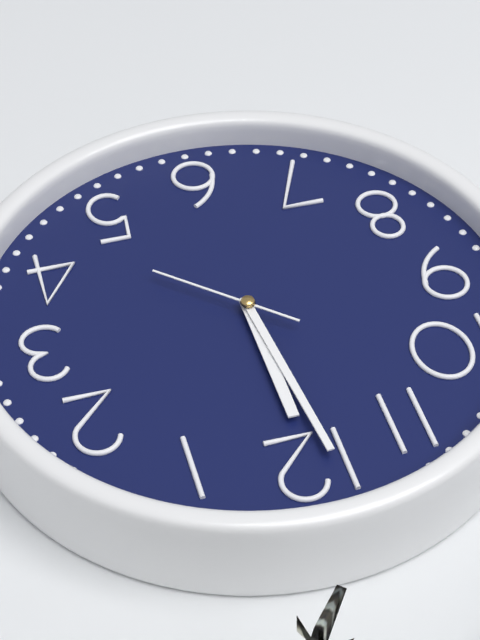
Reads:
h=11 m=59 s=22
